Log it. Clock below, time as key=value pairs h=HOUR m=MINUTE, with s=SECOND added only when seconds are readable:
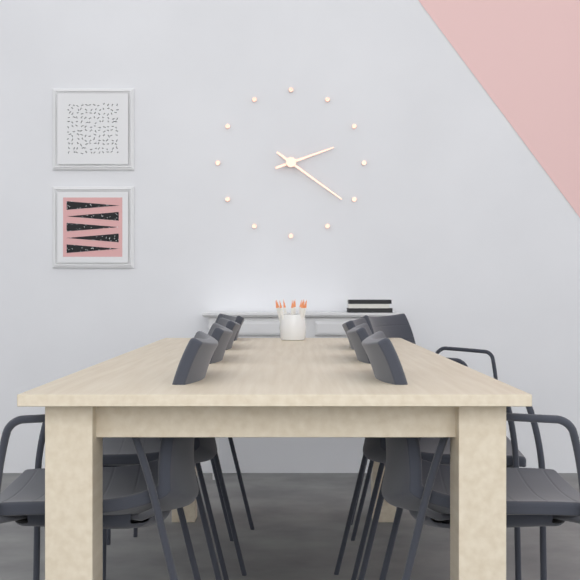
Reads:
h=2 m=21
